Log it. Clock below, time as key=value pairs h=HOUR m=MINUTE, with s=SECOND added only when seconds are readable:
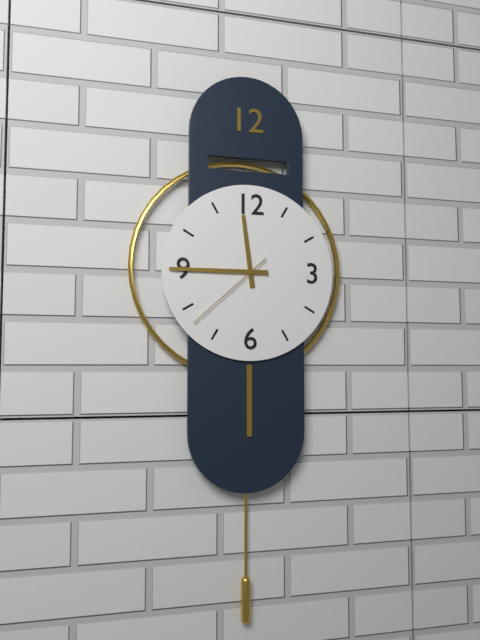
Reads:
h=11 m=45 s=38
